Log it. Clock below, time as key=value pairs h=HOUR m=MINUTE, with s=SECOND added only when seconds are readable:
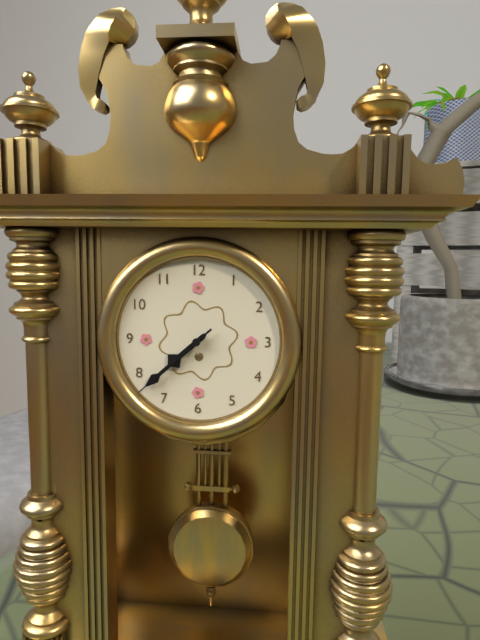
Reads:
h=7 m=38 s=38
